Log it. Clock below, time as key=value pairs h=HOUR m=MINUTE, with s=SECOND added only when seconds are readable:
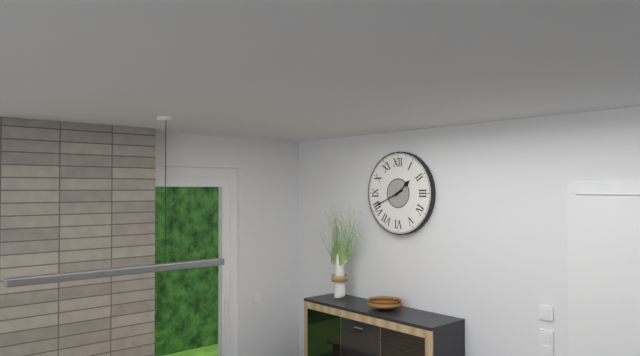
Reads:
h=1 m=41
